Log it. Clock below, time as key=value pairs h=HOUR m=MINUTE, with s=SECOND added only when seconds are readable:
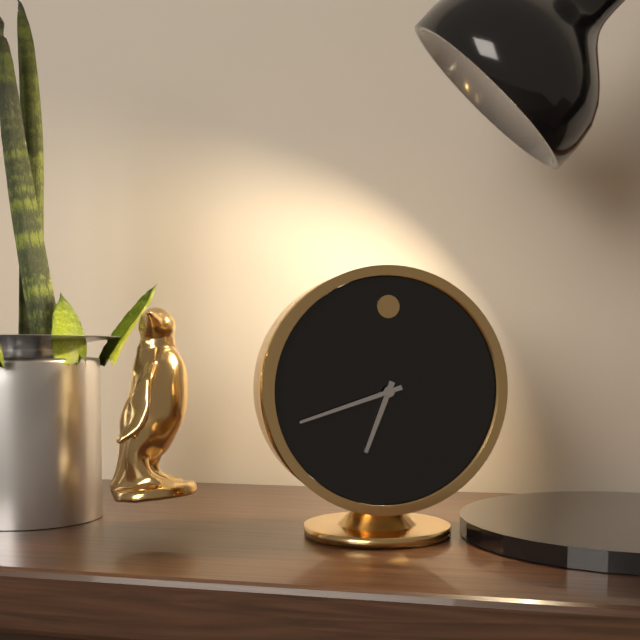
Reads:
h=6 m=42
